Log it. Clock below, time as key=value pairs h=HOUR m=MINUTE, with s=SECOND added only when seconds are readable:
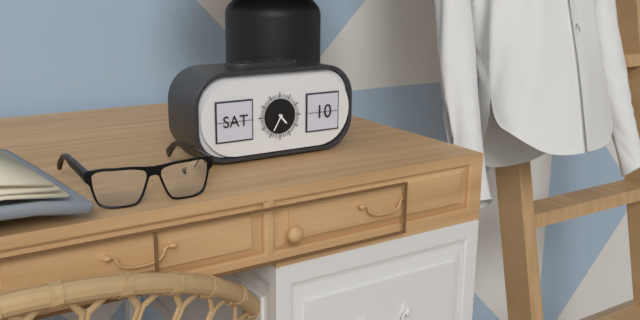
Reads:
h=4 m=35
